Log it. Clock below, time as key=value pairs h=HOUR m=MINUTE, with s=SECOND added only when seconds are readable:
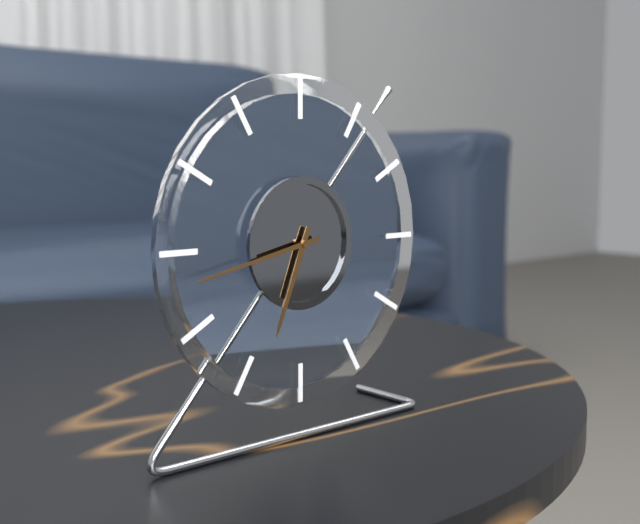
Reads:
h=6 m=43
